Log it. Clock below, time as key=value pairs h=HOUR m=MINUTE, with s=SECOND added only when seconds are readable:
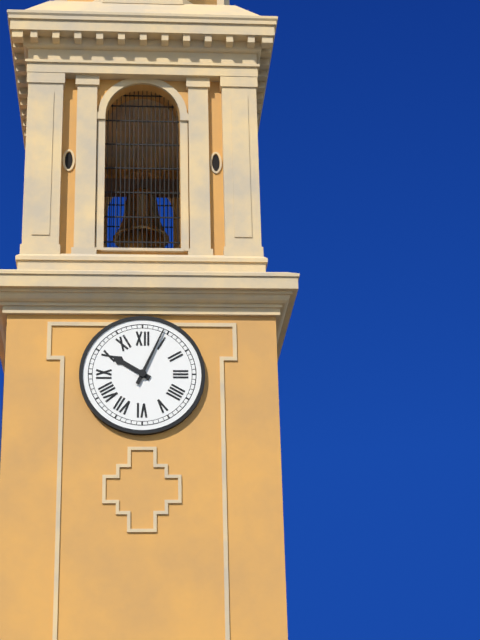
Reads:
h=10 m=4
